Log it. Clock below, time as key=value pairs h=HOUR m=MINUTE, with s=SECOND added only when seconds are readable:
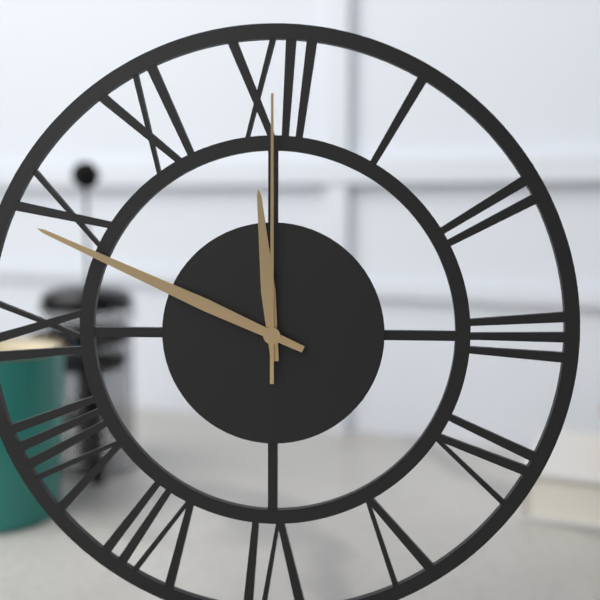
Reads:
h=11 m=49 s=0
